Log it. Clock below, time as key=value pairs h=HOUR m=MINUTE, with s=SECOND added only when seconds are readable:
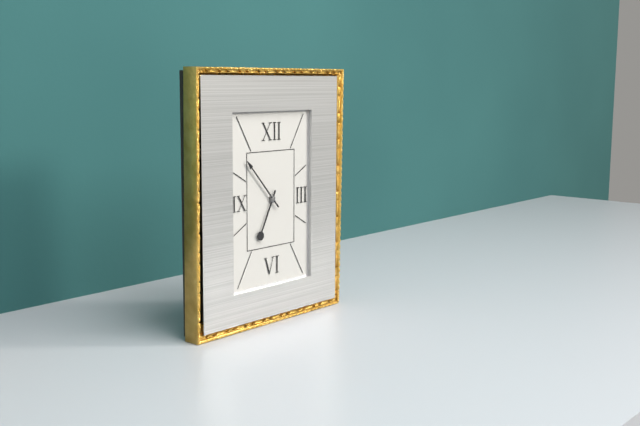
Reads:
h=6 m=53
